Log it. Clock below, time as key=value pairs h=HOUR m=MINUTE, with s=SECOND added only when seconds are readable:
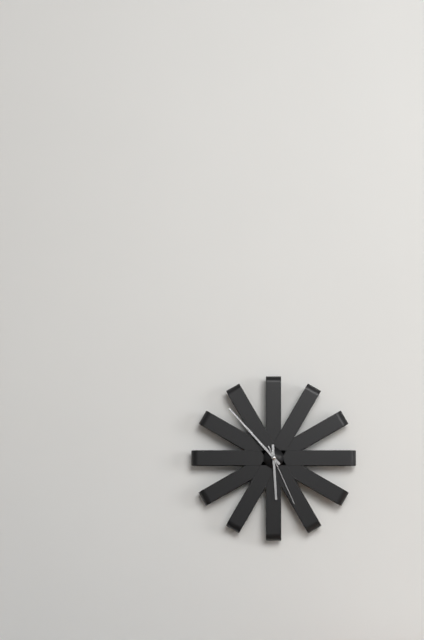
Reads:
h=5 m=53 s=26
